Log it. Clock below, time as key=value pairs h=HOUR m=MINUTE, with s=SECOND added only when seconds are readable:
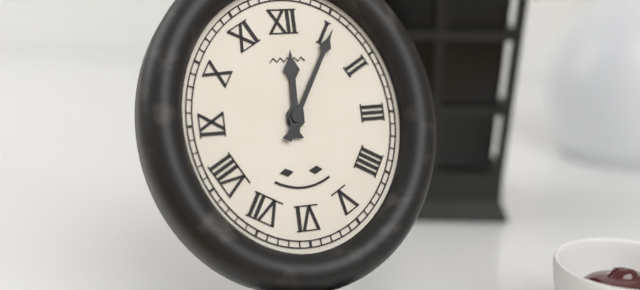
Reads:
h=12 m=5
